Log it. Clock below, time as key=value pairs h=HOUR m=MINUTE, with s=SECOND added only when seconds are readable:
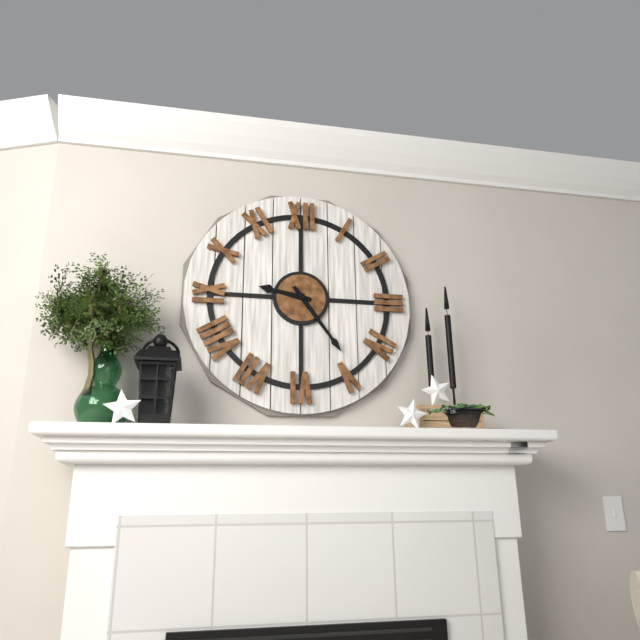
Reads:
h=9 m=24
